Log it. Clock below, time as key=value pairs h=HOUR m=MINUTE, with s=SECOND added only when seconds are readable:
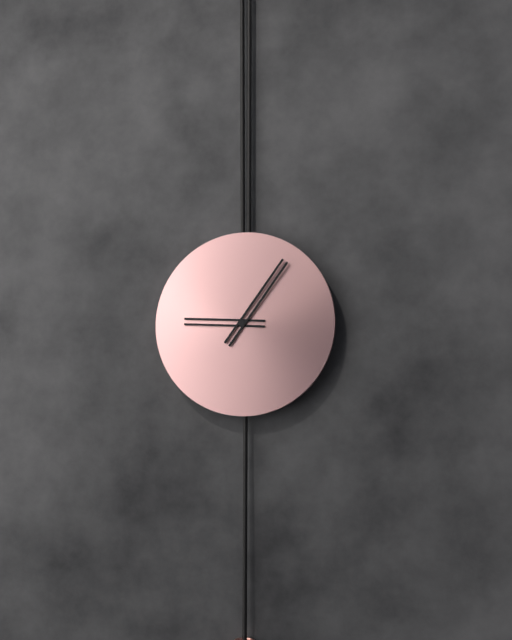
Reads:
h=9 m=6
